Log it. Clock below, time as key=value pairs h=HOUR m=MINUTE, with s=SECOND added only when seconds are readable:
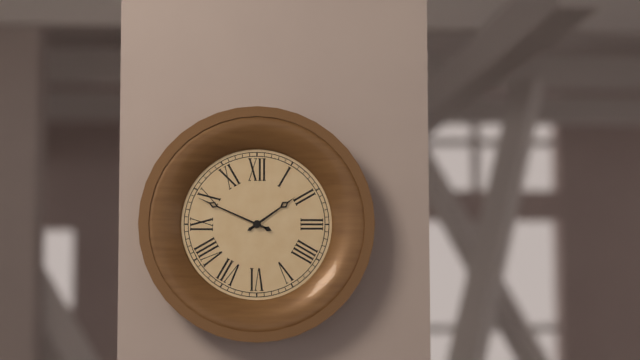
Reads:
h=1 m=49
